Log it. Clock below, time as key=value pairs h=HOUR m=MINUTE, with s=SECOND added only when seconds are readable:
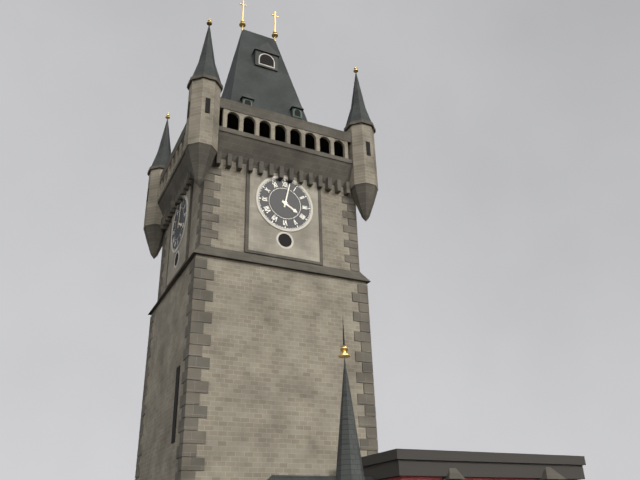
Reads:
h=4 m=2
